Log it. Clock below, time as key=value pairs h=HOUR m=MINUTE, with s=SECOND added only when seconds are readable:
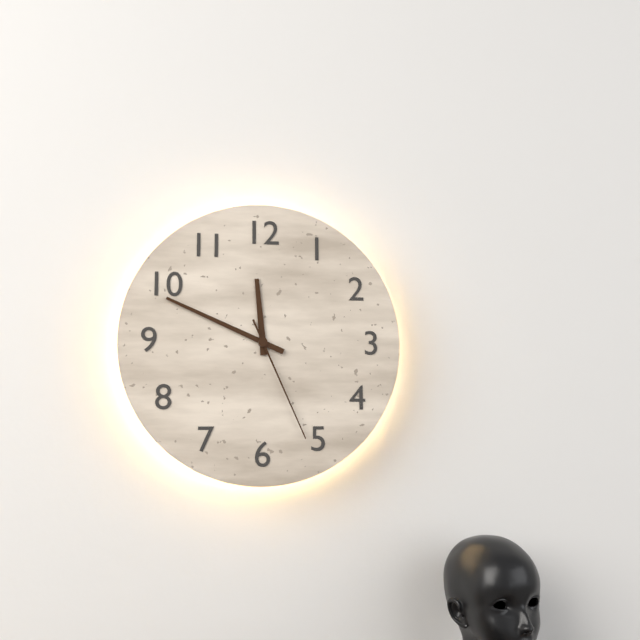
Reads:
h=11 m=49 s=26
